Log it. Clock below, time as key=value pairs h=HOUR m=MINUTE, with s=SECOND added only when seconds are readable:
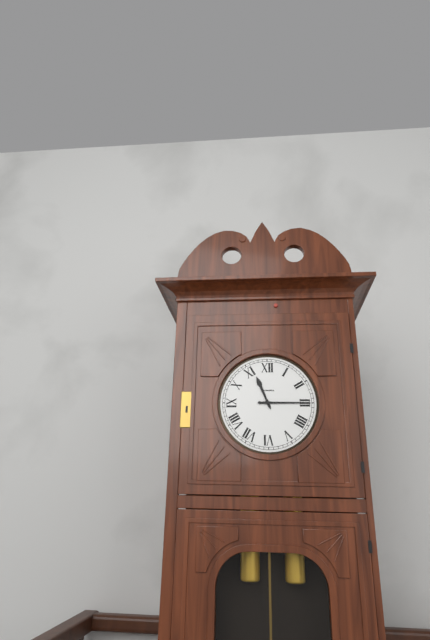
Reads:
h=11 m=15
